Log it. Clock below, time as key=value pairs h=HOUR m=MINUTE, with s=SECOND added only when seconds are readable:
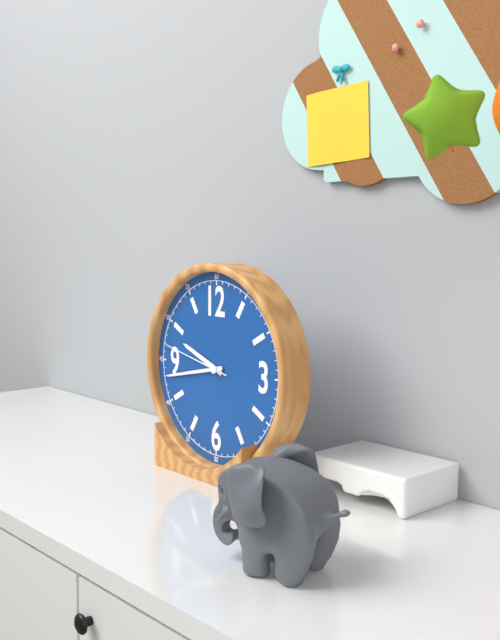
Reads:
h=9 m=43 s=47
